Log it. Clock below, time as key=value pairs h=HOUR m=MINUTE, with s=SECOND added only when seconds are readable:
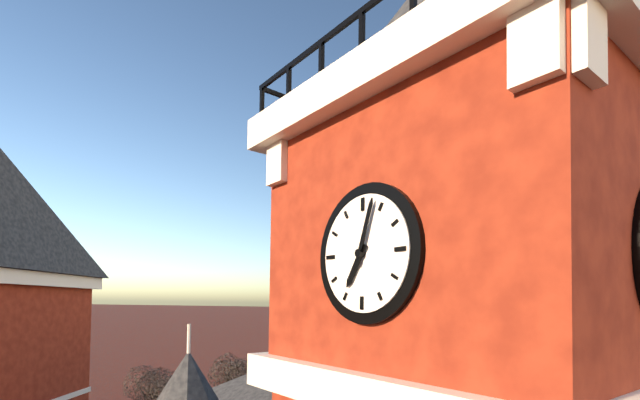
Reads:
h=7 m=3
